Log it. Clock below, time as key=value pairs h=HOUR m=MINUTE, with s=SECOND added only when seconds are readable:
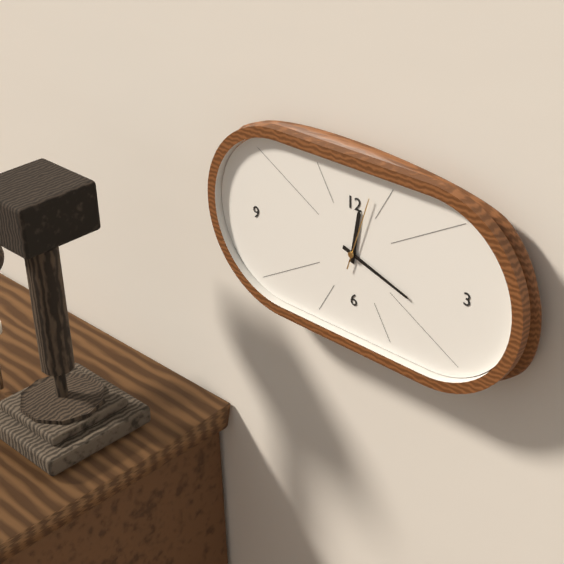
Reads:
h=12 m=18 s=3
